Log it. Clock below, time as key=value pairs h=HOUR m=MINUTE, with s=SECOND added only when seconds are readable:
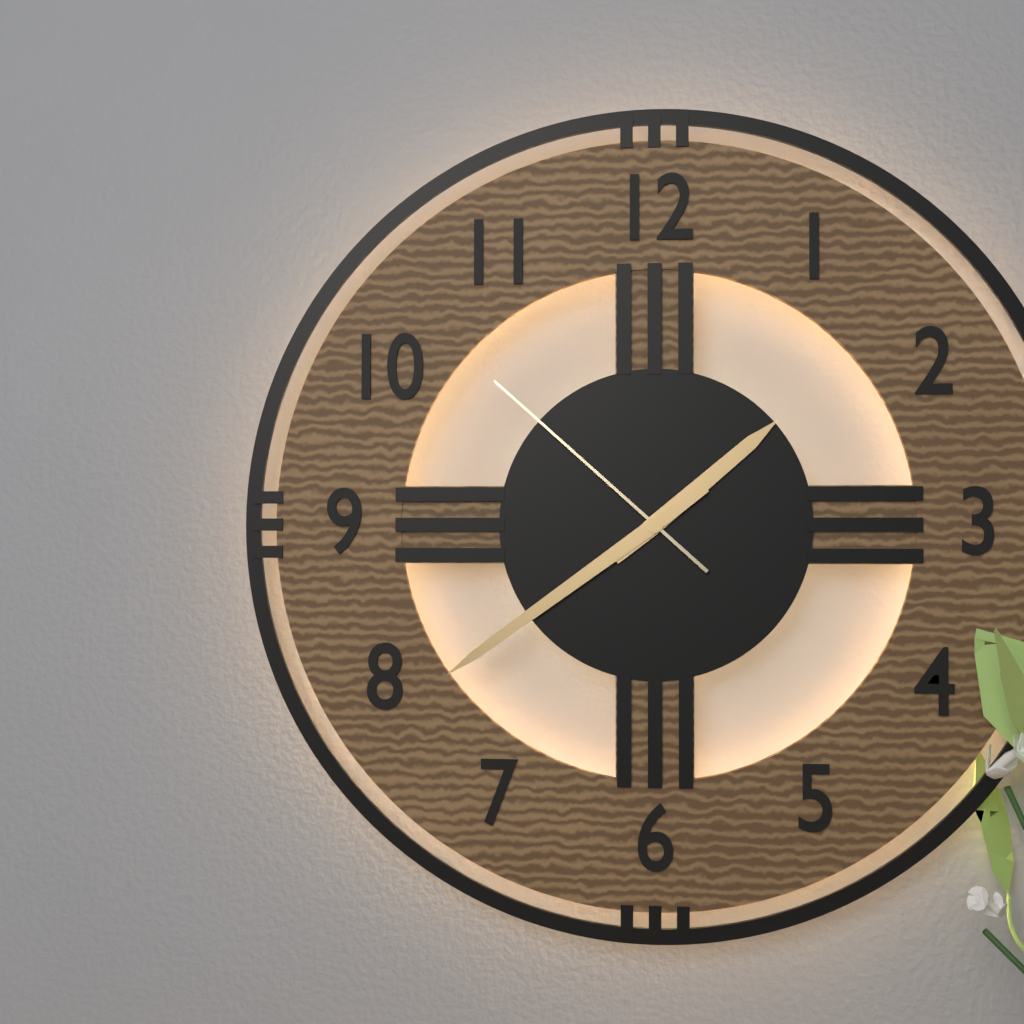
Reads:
h=1 m=39 s=52
